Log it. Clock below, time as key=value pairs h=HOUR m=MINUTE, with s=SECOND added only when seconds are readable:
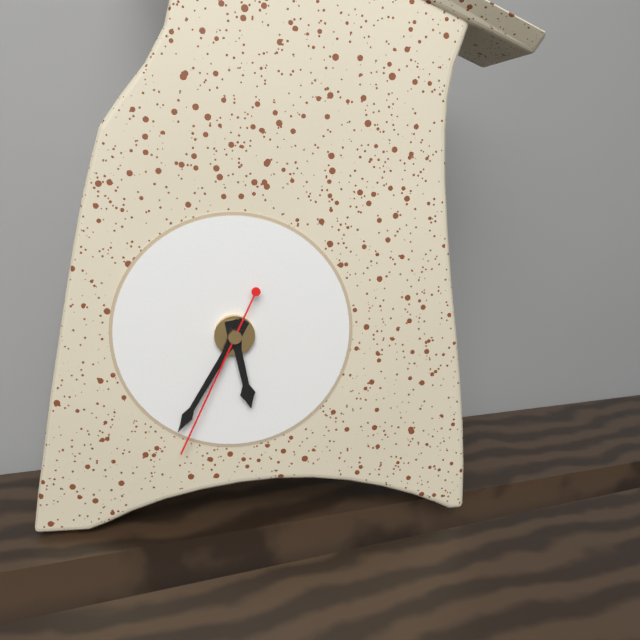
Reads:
h=5 m=35 s=34
